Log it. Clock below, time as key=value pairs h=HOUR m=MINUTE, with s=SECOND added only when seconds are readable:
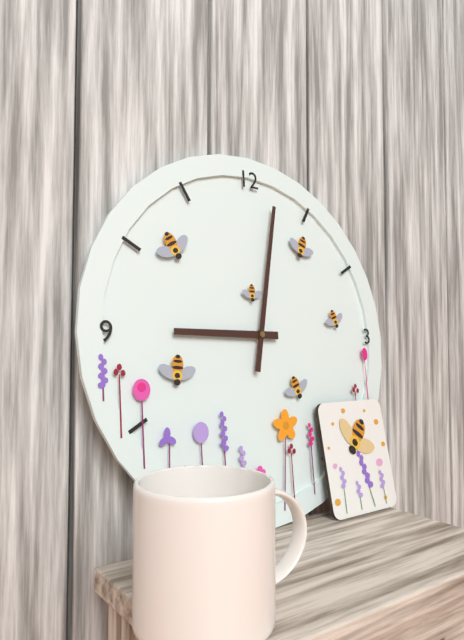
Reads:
h=9 m=2
